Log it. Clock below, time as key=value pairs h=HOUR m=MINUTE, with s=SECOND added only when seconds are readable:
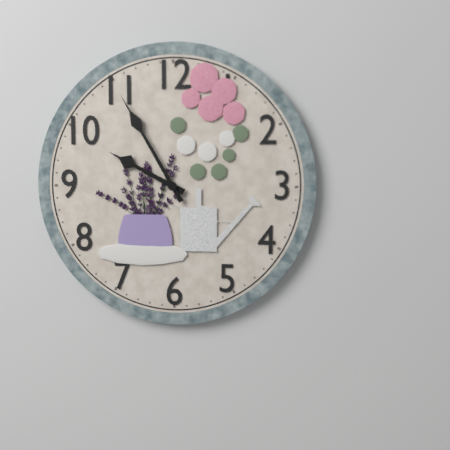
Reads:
h=9 m=55
